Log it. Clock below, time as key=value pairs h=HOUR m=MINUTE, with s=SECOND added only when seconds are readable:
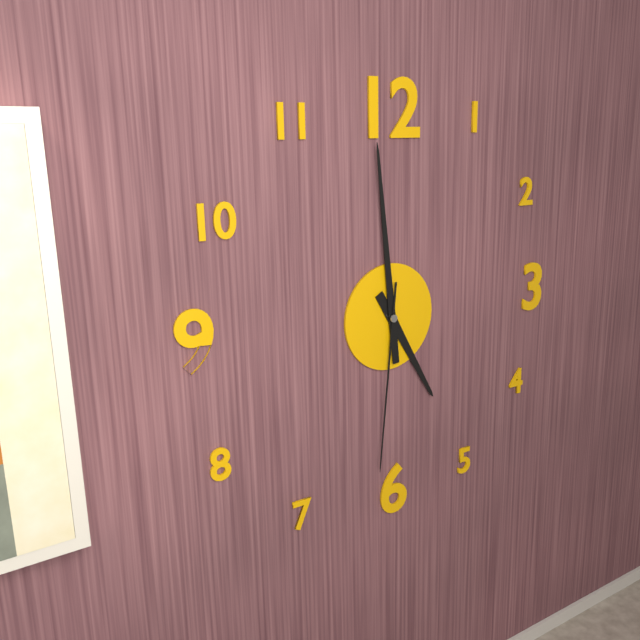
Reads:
h=4 m=59 s=31
